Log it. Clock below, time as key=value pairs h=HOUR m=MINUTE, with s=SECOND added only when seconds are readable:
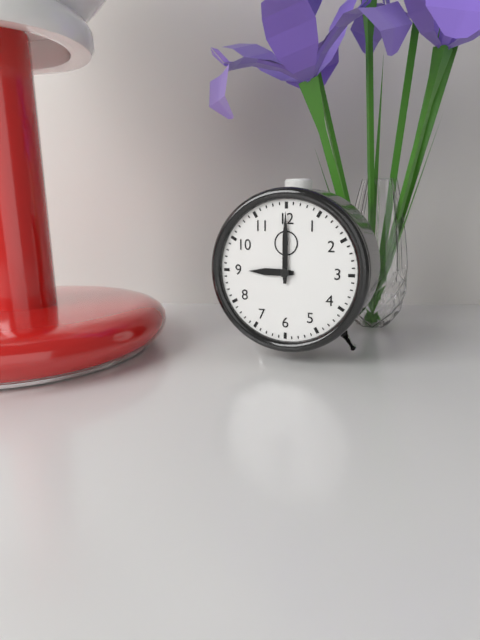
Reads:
h=9 m=0
